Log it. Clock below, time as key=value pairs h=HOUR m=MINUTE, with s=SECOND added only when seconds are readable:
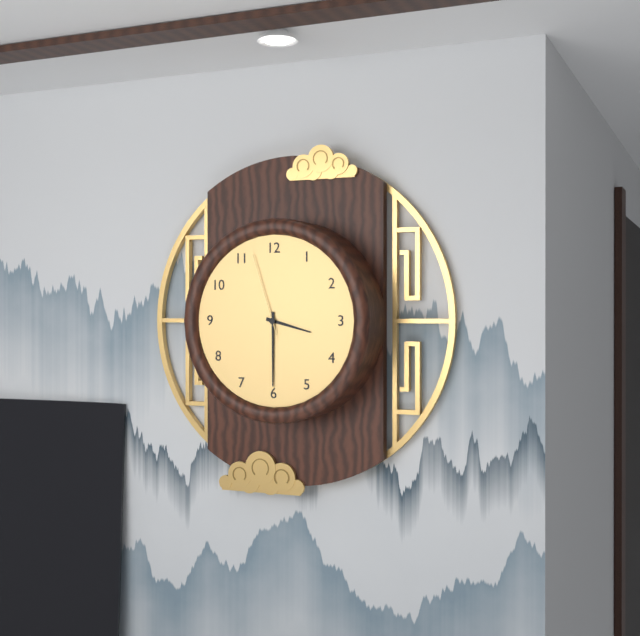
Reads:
h=3 m=30 s=57
